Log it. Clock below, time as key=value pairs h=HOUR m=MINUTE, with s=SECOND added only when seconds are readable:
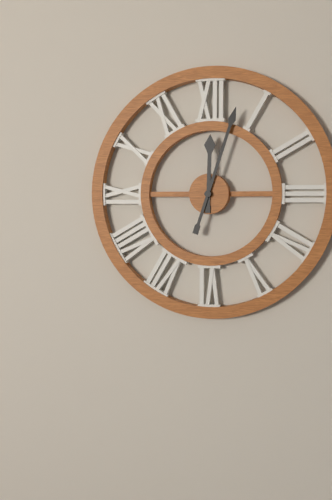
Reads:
h=12 m=3
